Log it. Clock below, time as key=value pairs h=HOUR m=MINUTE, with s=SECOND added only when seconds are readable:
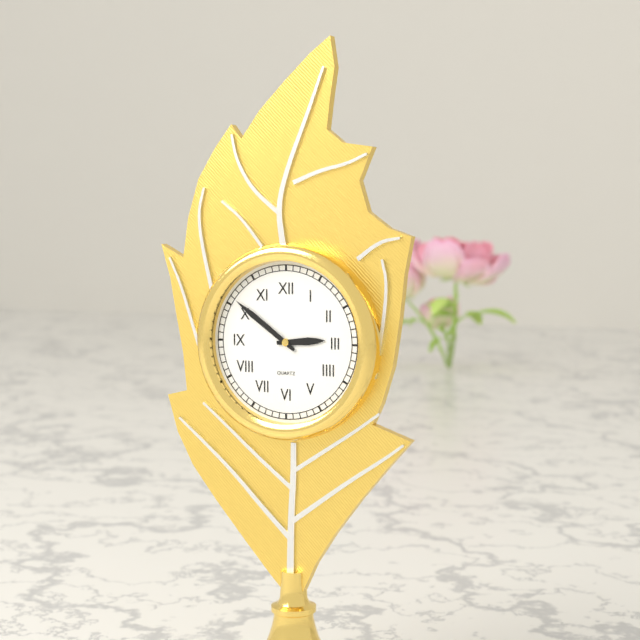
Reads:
h=2 m=51
